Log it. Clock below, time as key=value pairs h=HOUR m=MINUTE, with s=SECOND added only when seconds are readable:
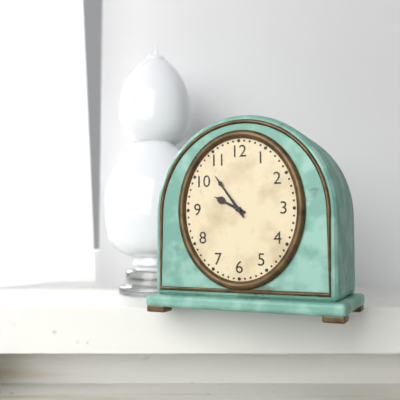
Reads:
h=9 m=54
